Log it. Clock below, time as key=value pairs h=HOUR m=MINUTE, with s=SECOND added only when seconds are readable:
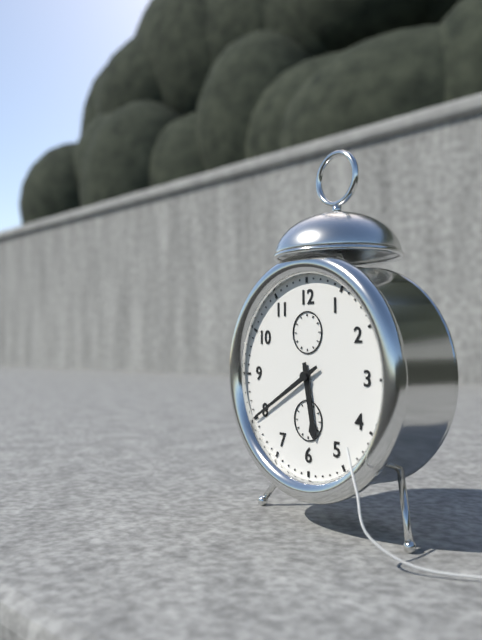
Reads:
h=5 m=40
